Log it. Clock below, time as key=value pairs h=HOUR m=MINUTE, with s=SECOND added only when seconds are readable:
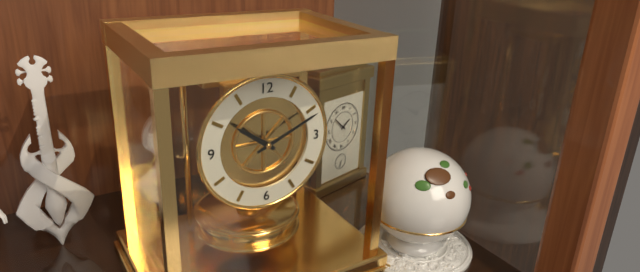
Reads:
h=10 m=11
